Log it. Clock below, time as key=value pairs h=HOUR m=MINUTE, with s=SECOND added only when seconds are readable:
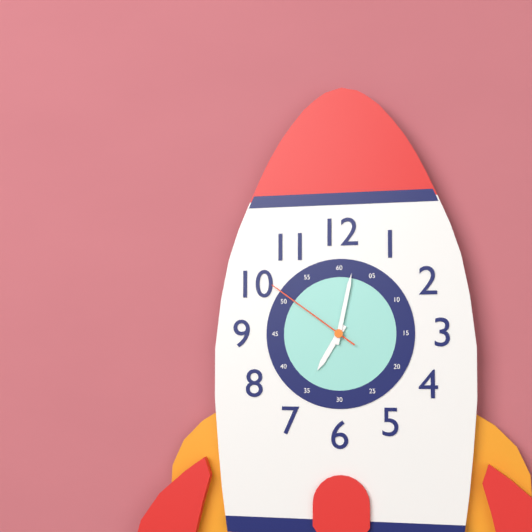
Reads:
h=7 m=2 s=51
